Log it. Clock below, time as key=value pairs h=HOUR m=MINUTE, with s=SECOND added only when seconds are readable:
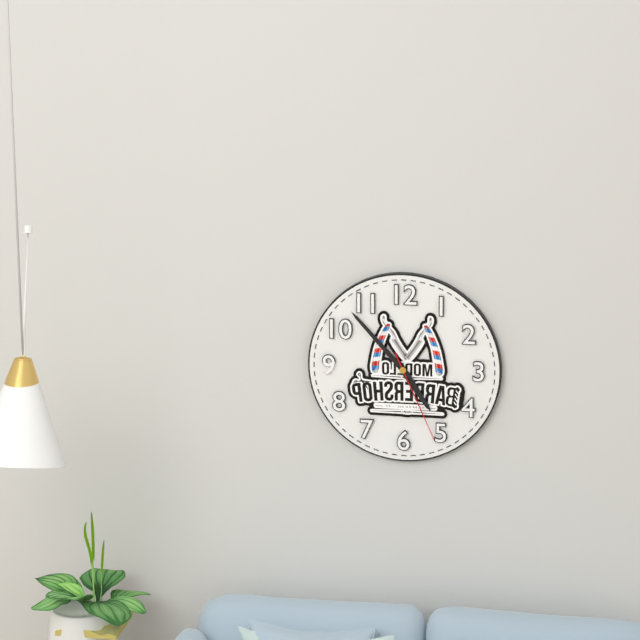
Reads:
h=4 m=53 s=26
